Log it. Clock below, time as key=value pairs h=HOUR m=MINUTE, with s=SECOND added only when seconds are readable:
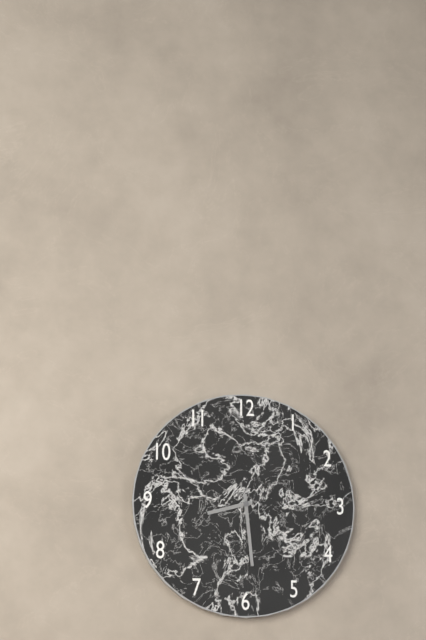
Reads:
h=8 m=29
